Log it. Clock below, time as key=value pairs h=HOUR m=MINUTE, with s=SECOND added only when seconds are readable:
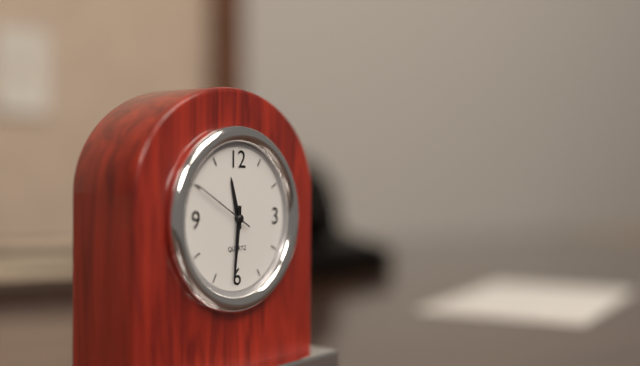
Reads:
h=11 m=31 s=50
